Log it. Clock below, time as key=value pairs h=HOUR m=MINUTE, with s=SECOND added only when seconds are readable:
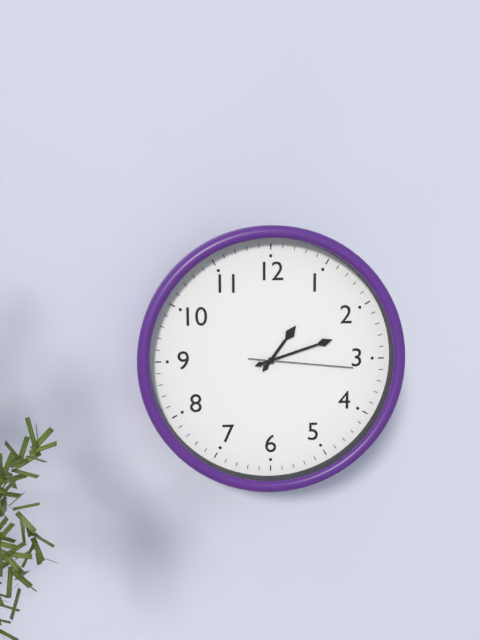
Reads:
h=1 m=12 s=16
